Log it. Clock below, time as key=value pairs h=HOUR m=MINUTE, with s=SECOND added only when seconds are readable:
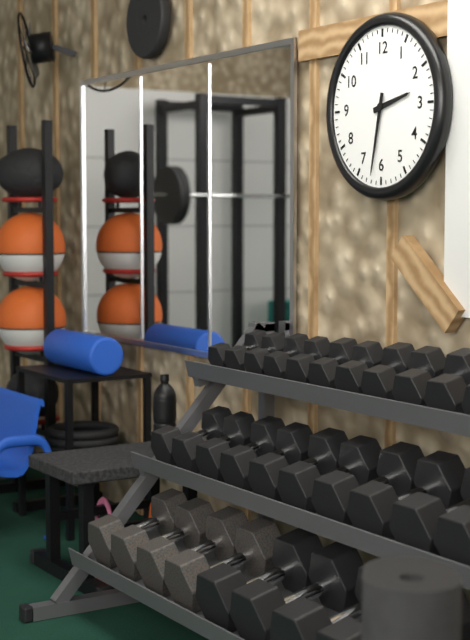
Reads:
h=2 m=32
